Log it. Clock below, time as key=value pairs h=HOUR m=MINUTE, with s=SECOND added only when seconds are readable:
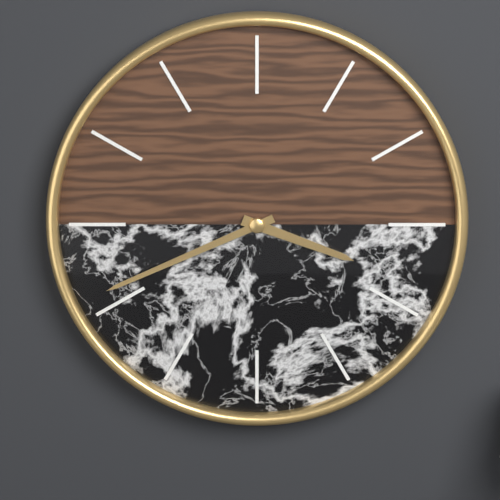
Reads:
h=3 m=41
